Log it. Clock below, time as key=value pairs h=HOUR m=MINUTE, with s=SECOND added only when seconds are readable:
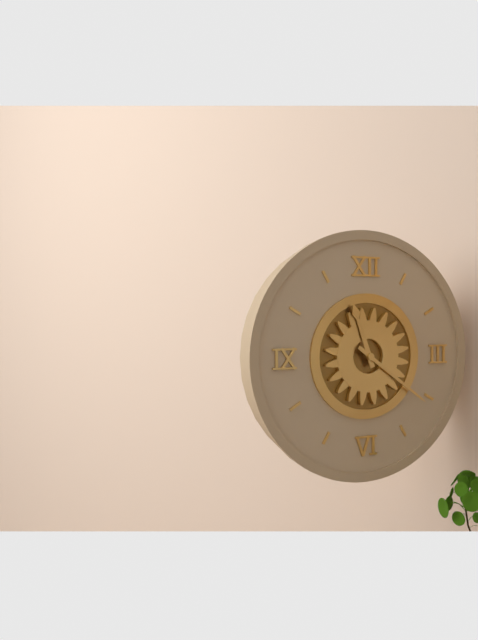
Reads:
h=11 m=21
